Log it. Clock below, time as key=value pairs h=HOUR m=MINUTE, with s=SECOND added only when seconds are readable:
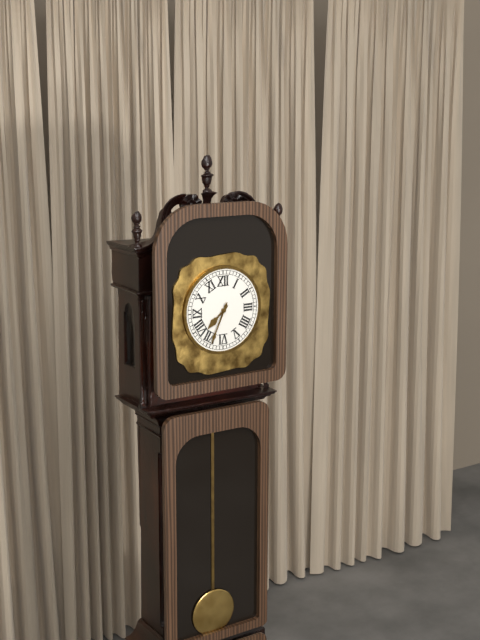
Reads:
h=7 m=34
